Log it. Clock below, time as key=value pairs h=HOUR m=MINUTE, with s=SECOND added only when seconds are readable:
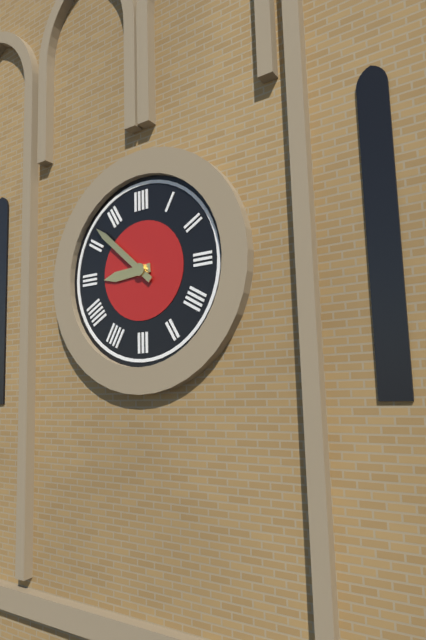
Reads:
h=8 m=52
